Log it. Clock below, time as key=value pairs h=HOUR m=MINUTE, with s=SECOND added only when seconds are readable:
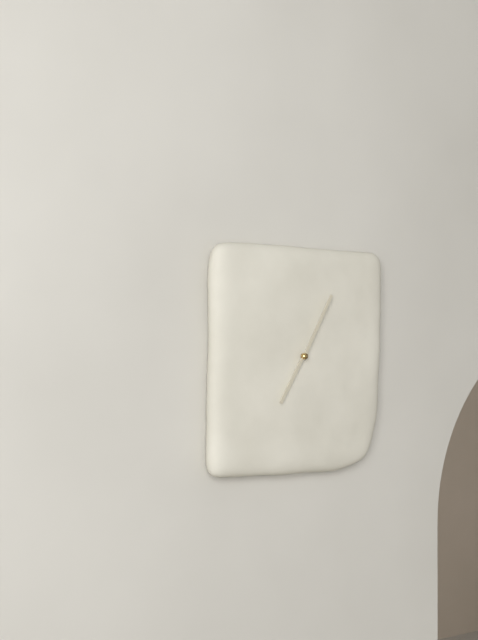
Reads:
h=7 m=5
